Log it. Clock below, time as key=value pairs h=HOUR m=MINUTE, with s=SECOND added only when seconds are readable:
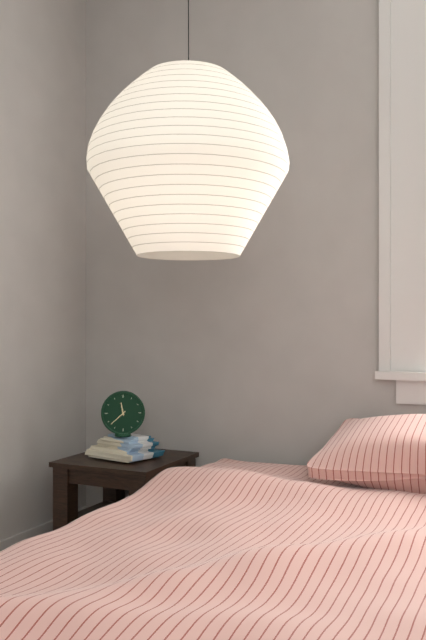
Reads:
h=11 m=38
